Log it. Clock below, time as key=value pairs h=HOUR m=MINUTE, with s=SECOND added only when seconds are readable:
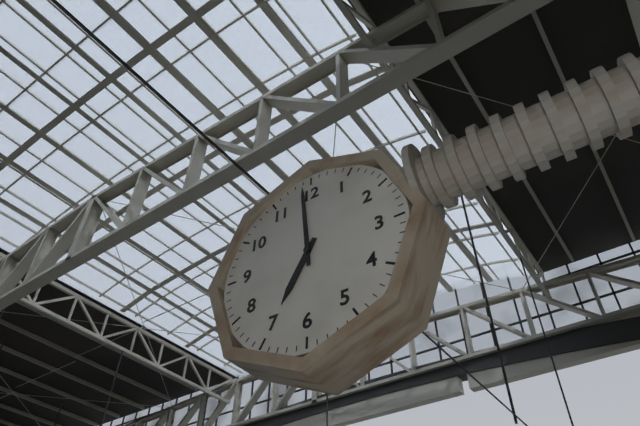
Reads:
h=6 m=59
